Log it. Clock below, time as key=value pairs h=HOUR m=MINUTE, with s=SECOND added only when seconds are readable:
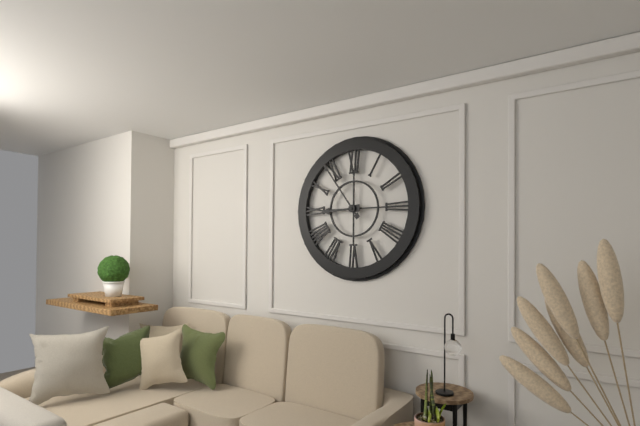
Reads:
h=8 m=54
